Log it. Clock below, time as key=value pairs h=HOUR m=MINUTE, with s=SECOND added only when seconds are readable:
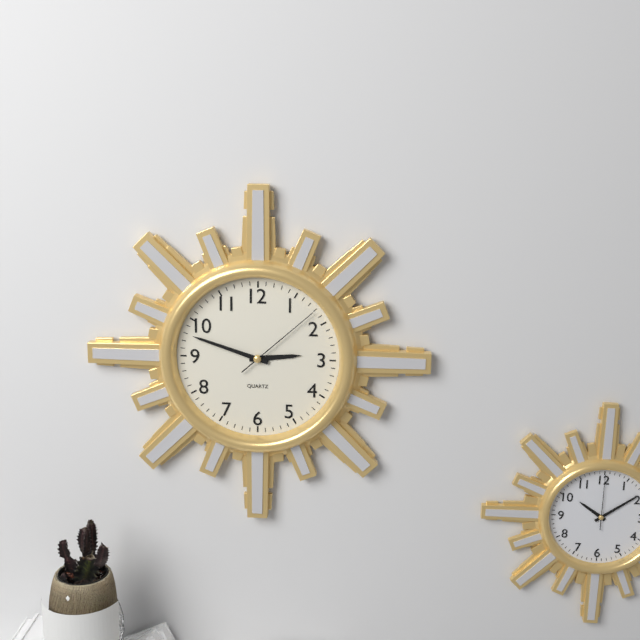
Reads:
h=2 m=48 s=8
